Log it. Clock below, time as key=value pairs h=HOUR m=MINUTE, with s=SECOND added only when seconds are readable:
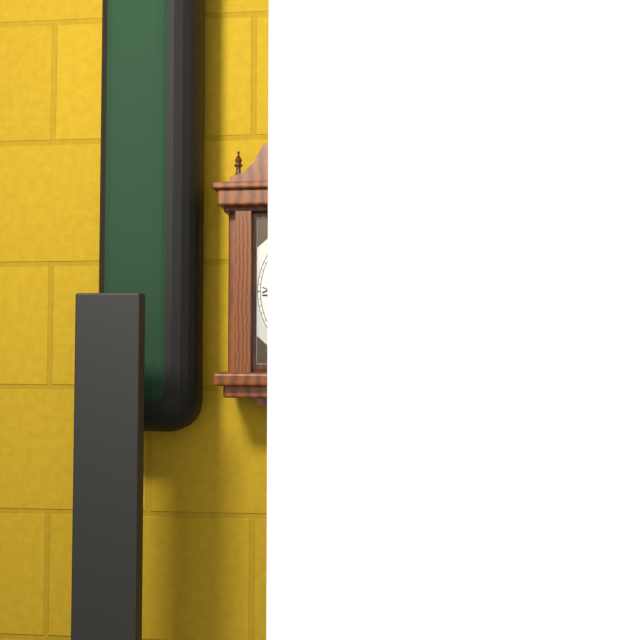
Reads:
h=9 m=47
